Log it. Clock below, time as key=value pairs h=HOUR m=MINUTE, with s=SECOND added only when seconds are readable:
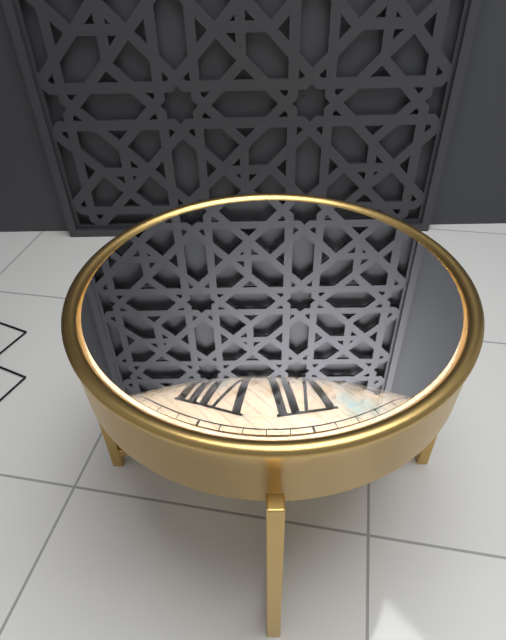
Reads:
h=7 m=12
